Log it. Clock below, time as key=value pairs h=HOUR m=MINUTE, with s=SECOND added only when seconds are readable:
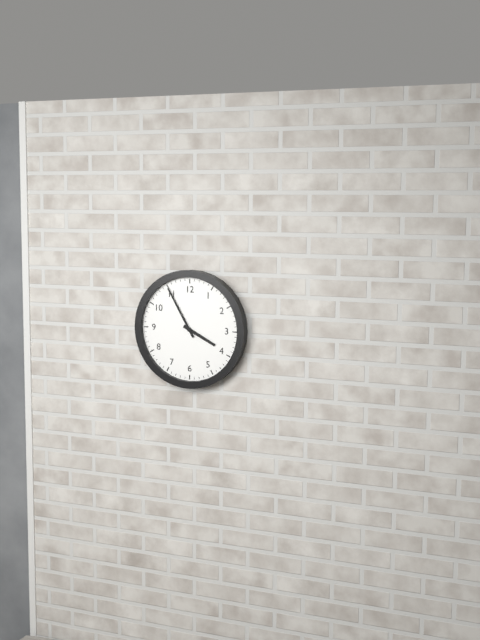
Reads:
h=3 m=55
